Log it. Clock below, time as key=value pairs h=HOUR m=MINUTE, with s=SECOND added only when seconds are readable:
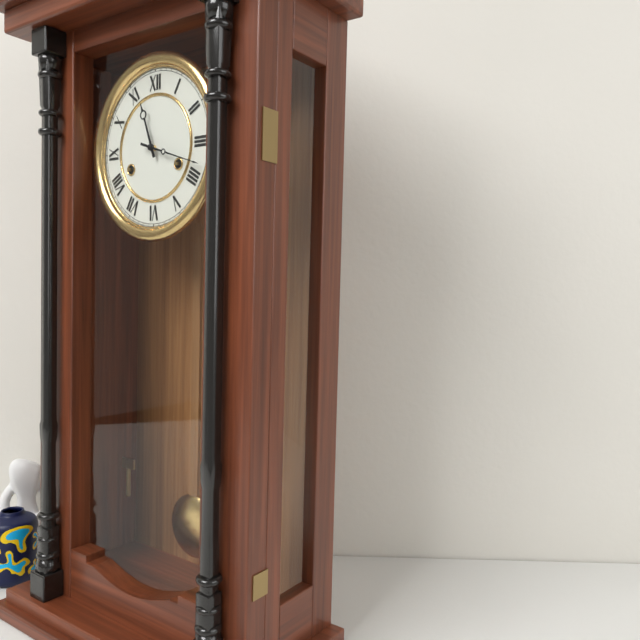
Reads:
h=11 m=18
